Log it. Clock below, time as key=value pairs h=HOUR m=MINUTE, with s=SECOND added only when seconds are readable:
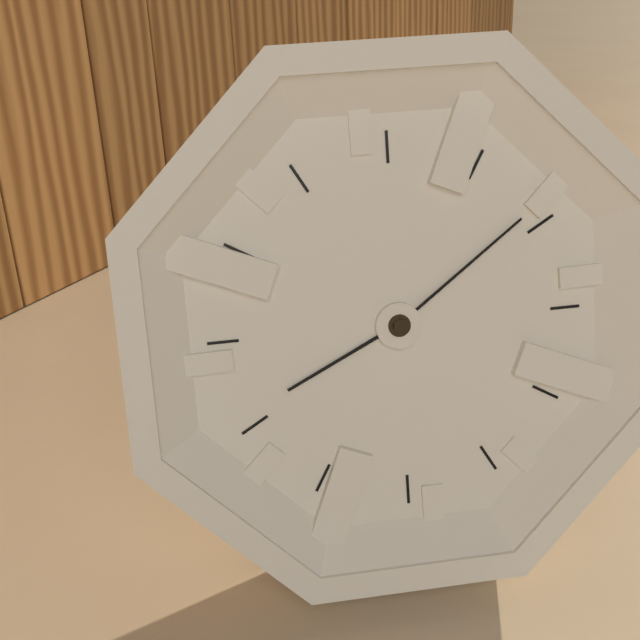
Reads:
h=8 m=9
